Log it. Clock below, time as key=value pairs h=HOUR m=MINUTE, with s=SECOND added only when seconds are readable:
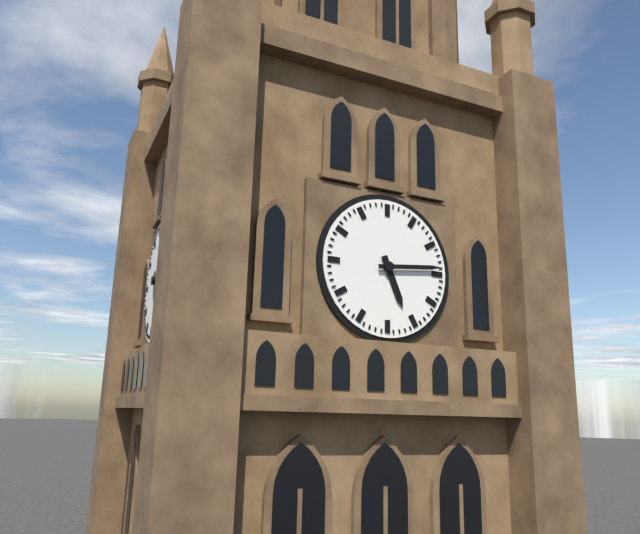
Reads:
h=5 m=14
